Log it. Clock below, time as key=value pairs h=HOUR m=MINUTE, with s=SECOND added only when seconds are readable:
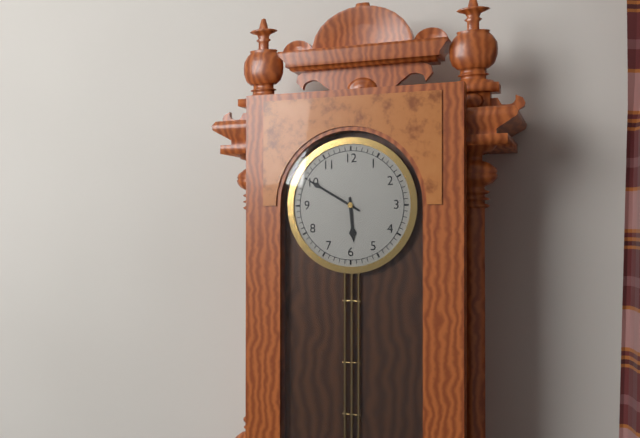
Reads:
h=5 m=50
